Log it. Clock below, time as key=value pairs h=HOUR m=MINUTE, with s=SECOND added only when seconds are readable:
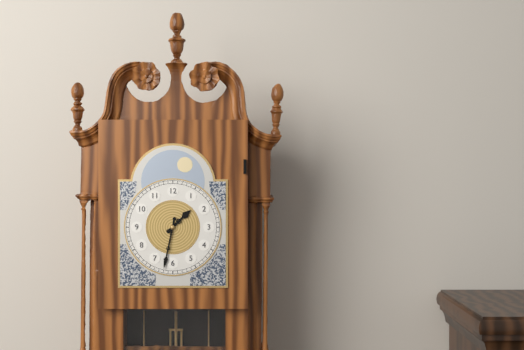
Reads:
h=1 m=32
